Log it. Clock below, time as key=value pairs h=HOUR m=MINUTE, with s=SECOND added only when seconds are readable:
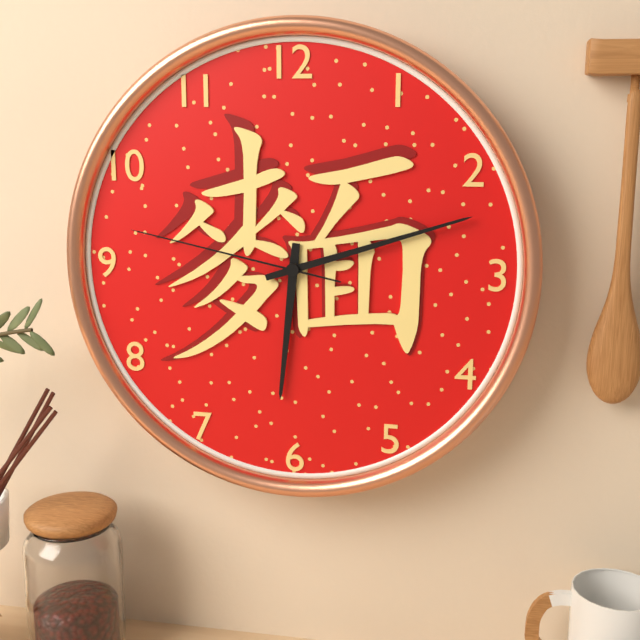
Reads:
h=6 m=12 s=47
